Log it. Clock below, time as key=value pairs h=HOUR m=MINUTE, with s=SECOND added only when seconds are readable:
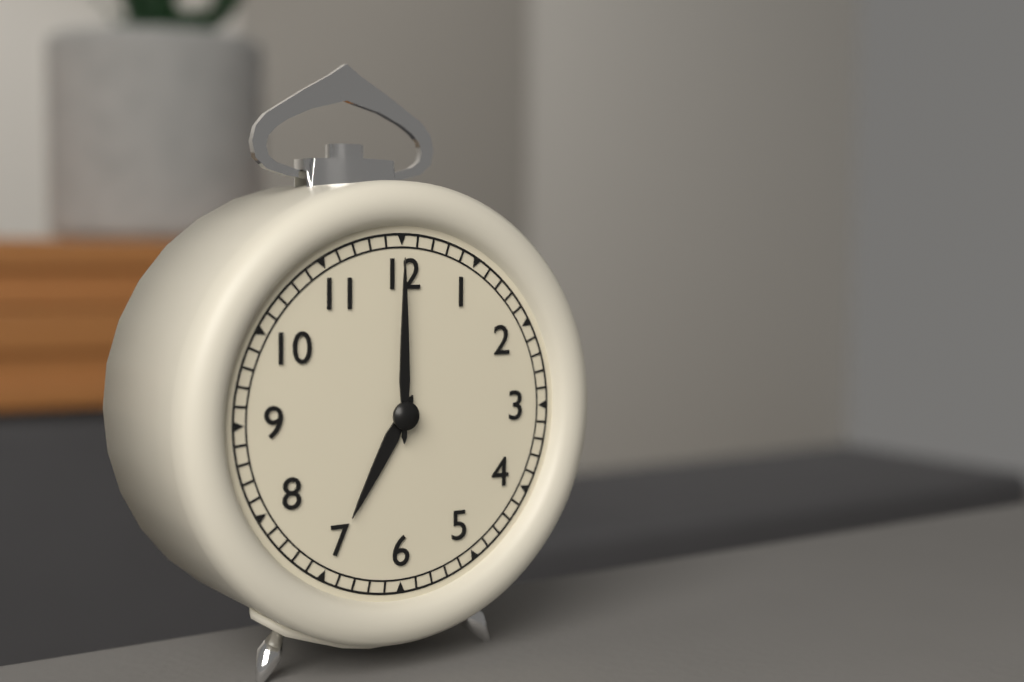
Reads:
h=7 m=0
